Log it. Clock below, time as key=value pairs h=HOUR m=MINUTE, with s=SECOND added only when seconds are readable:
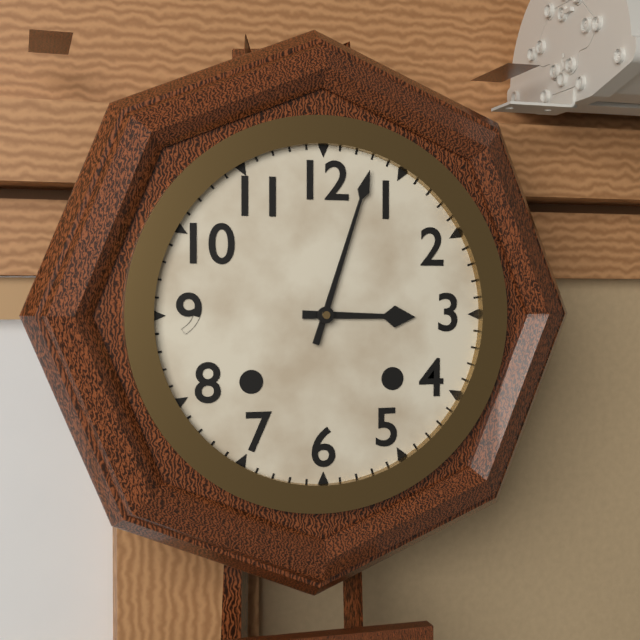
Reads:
h=3 m=3
